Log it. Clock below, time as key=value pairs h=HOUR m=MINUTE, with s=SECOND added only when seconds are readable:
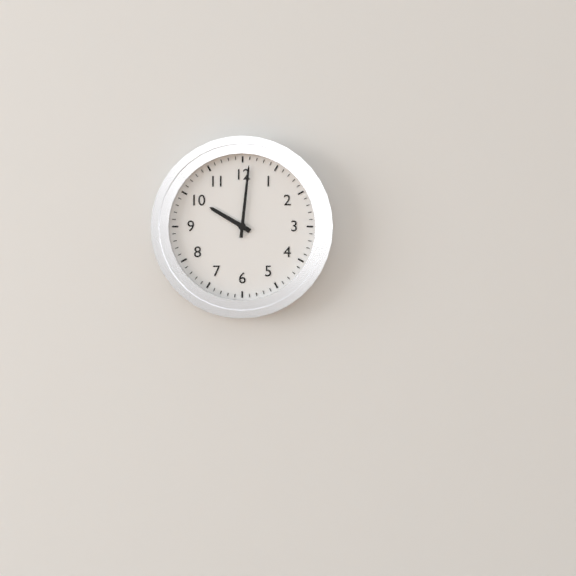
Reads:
h=10 m=1
